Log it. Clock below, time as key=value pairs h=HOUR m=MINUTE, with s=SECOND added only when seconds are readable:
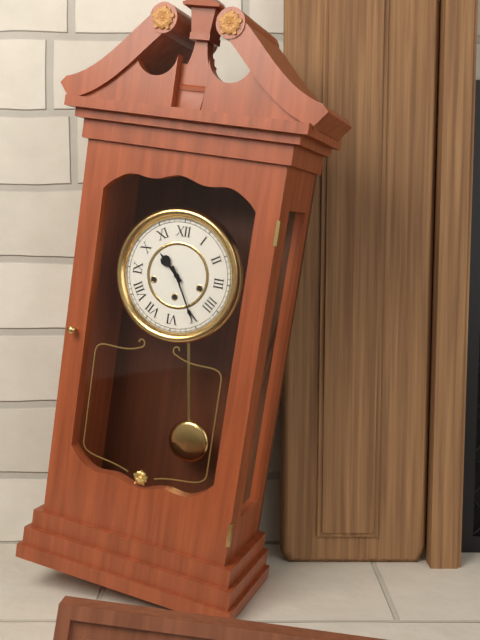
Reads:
h=10 m=25
